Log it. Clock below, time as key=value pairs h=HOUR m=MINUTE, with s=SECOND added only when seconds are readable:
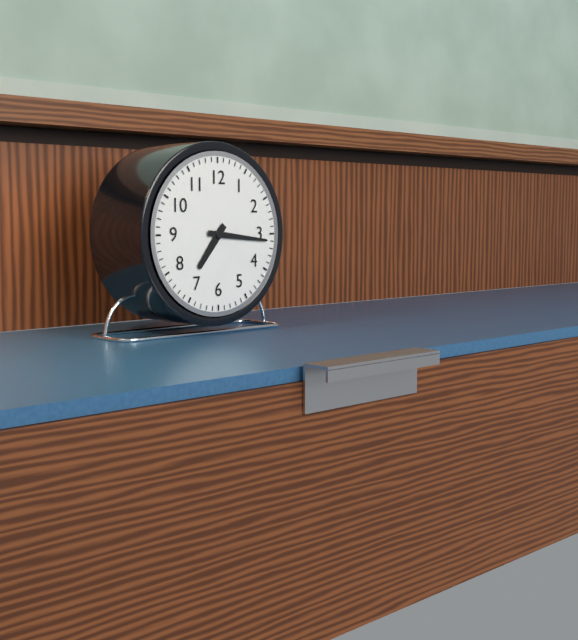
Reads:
h=7 m=16
